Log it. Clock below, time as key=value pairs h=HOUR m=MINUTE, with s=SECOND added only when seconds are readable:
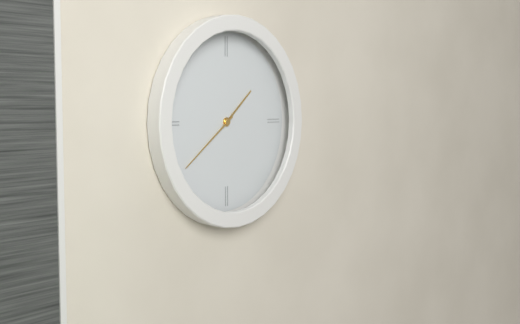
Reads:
h=1 m=39
